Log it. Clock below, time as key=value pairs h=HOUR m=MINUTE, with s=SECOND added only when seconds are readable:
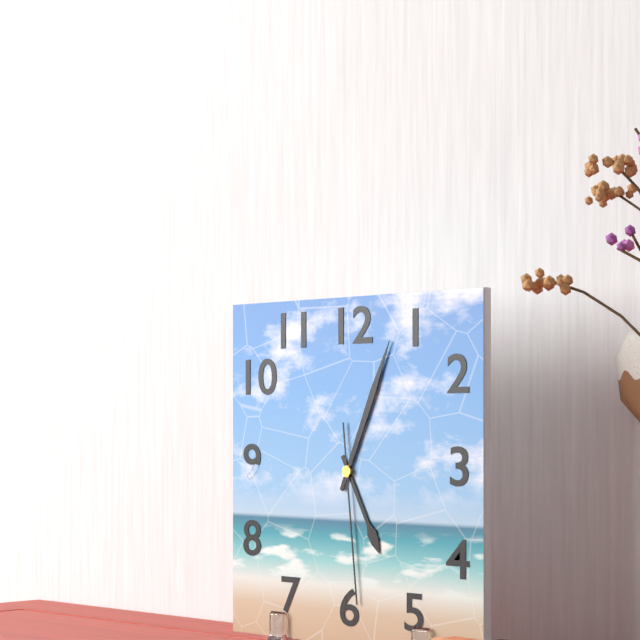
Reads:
h=5 m=4 s=29
